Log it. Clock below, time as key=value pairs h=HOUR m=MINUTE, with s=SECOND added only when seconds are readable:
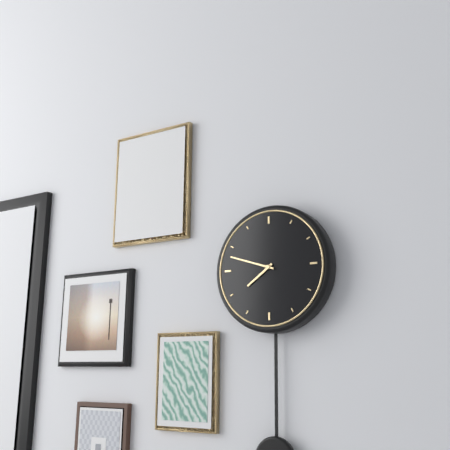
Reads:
h=7 m=48
